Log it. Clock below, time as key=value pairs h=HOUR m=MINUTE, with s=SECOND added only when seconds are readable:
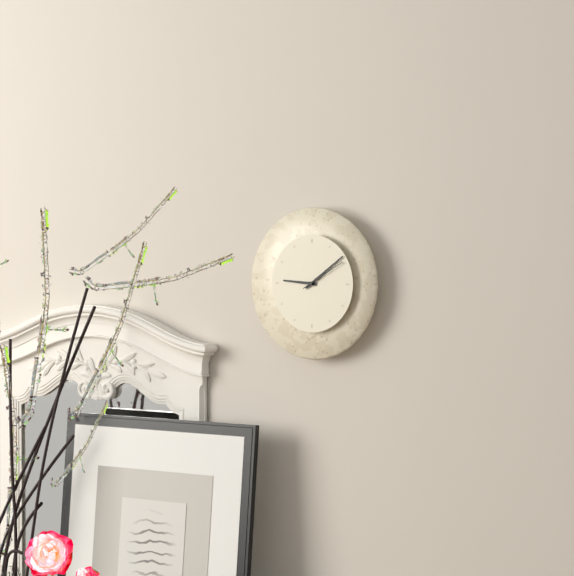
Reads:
h=9 m=9
